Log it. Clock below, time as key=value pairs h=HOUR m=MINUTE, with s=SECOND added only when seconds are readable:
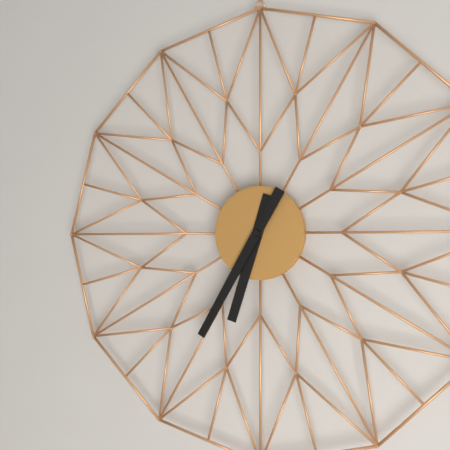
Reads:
h=6 m=35
